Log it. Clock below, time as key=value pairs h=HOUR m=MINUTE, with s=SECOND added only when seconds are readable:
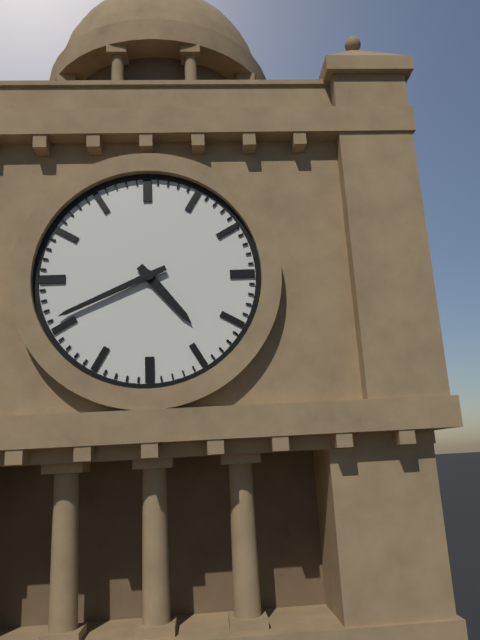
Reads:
h=4 m=41
